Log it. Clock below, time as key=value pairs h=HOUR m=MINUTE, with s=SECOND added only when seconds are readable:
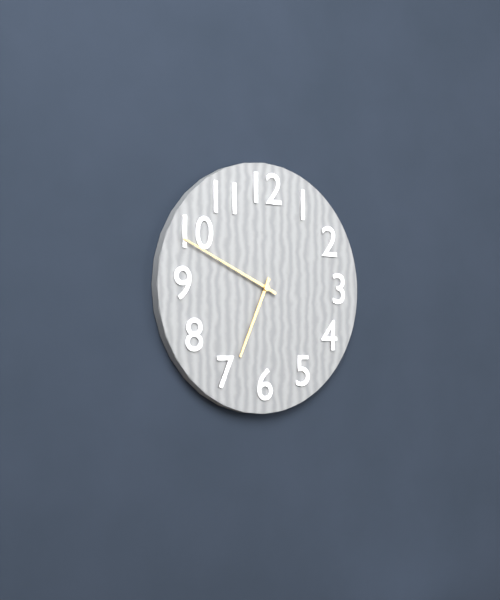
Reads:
h=6 m=49
